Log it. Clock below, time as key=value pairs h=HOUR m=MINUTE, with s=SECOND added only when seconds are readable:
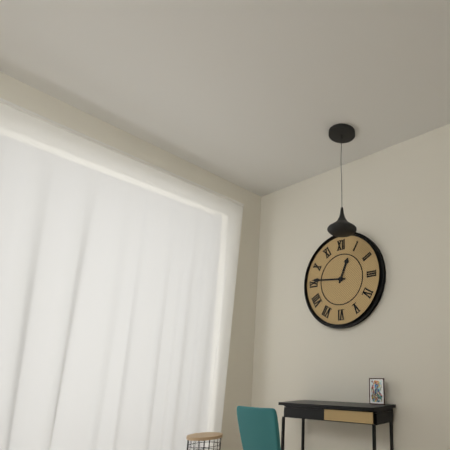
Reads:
h=12 m=46
